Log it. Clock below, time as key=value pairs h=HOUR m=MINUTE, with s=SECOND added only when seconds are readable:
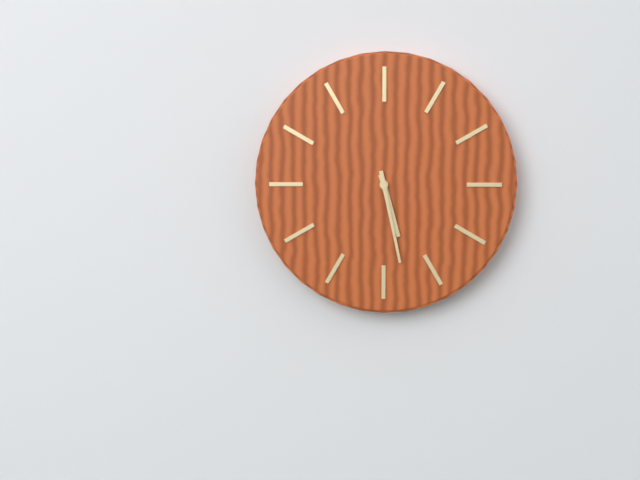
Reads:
h=5 m=28
